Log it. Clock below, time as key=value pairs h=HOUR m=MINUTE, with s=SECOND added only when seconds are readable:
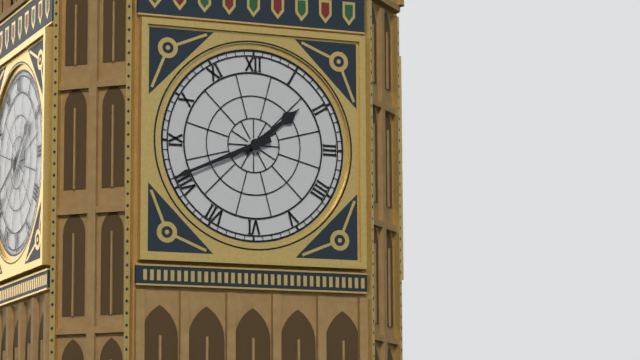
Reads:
h=1 m=41
